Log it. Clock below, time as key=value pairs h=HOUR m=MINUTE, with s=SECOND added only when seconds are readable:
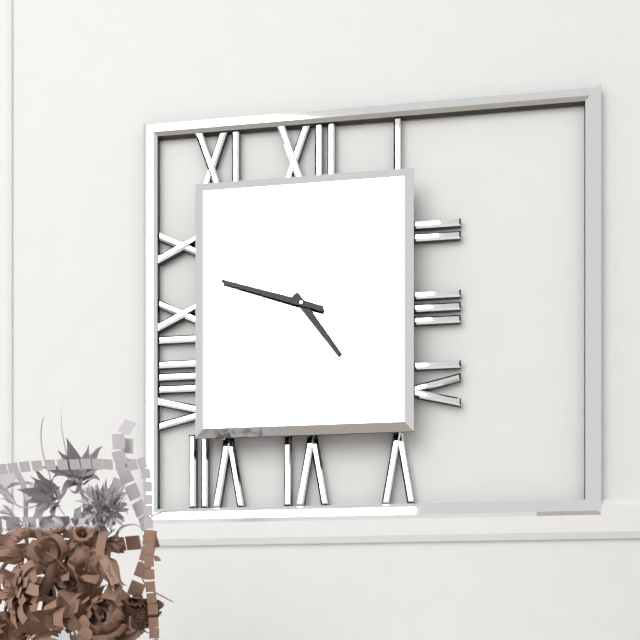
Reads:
h=4 m=48
